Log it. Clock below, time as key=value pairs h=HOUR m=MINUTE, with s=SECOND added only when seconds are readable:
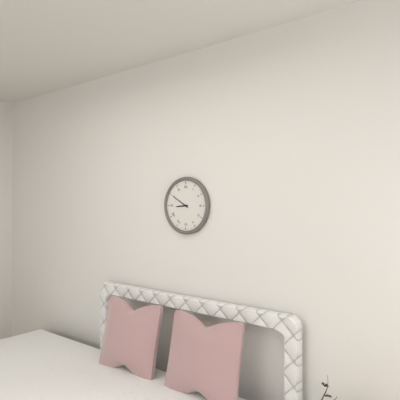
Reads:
h=8 m=50
